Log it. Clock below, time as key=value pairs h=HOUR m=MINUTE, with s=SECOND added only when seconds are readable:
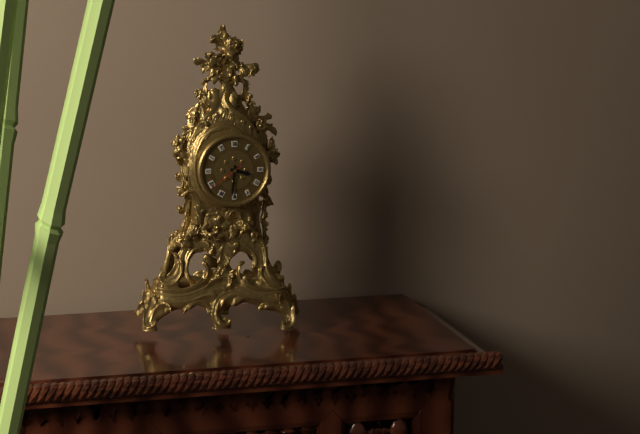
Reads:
h=3 m=31
